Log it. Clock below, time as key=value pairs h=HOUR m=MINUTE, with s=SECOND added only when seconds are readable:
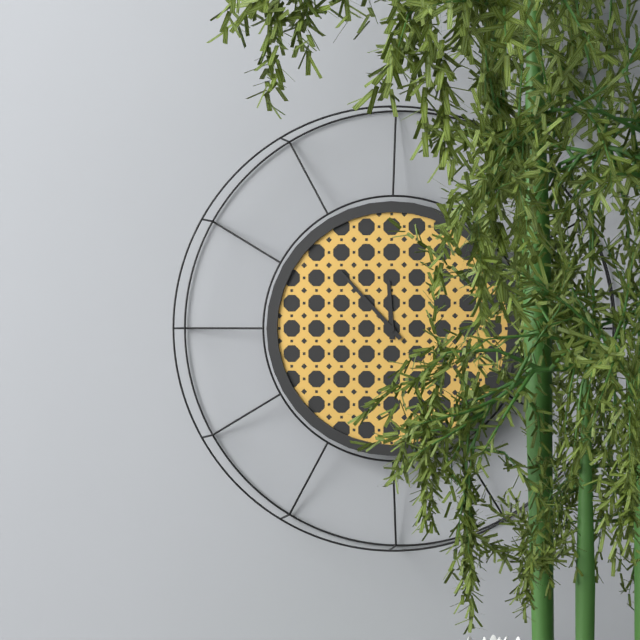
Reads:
h=11 m=53
